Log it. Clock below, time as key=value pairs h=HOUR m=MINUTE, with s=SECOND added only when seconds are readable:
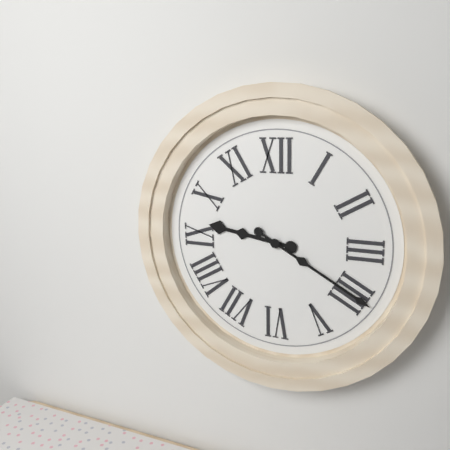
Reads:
h=9 m=20
